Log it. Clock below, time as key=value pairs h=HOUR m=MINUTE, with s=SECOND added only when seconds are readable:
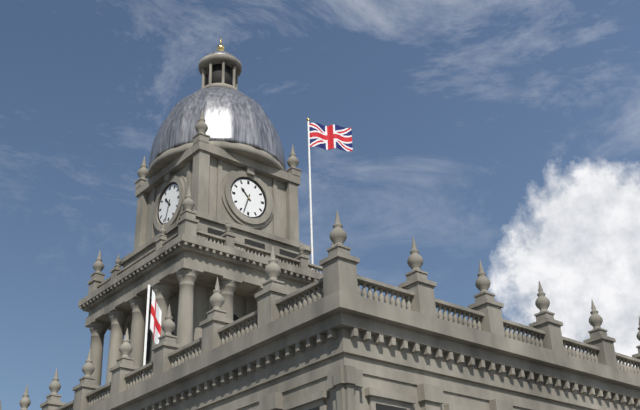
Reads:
h=10 m=33
